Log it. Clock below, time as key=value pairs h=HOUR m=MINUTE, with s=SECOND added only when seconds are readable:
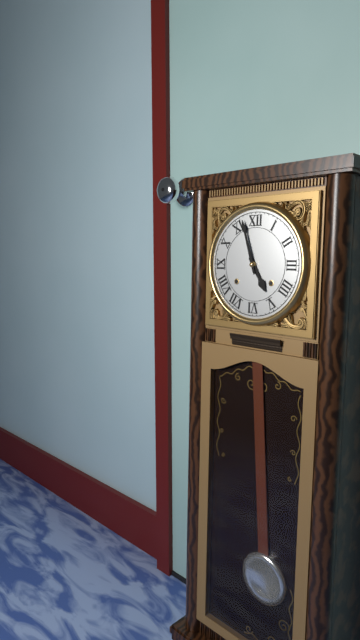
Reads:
h=4 m=57
